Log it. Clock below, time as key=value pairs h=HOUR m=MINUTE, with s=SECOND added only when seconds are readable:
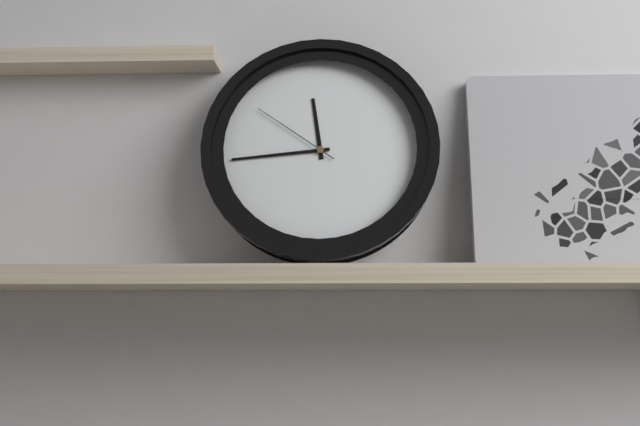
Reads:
h=11 m=44 s=51
